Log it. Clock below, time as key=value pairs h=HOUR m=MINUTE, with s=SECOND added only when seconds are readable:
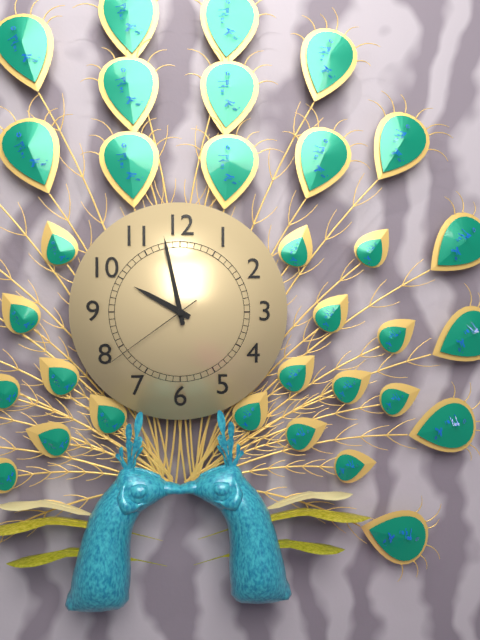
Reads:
h=9 m=58 s=39
